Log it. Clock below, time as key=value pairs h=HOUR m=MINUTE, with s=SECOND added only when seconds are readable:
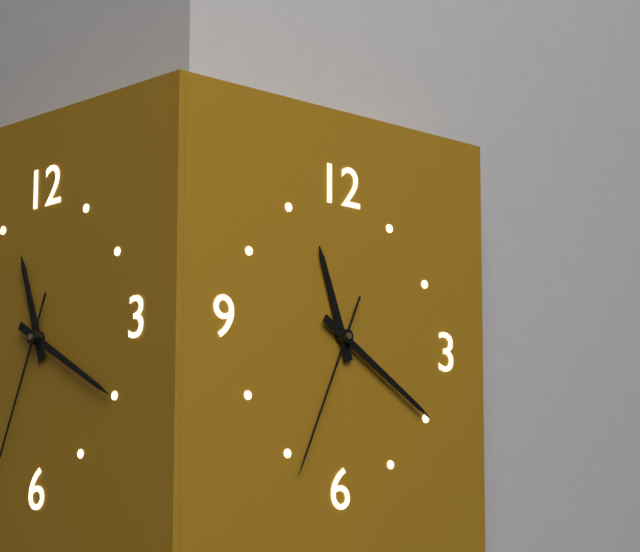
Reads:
h=11 m=20 s=34
